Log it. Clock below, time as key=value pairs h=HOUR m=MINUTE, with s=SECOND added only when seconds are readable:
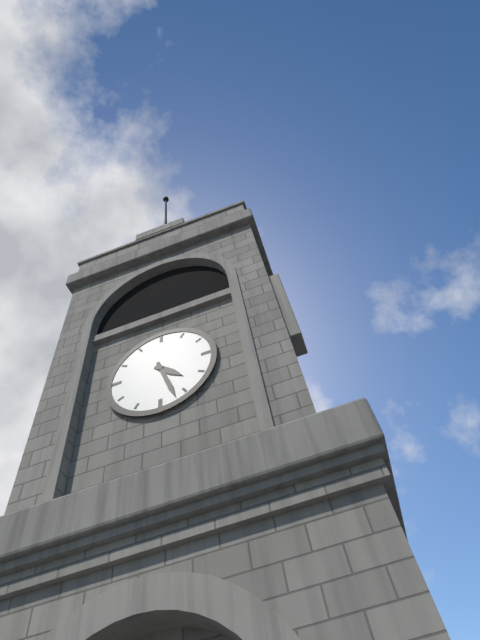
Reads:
h=4 m=27
